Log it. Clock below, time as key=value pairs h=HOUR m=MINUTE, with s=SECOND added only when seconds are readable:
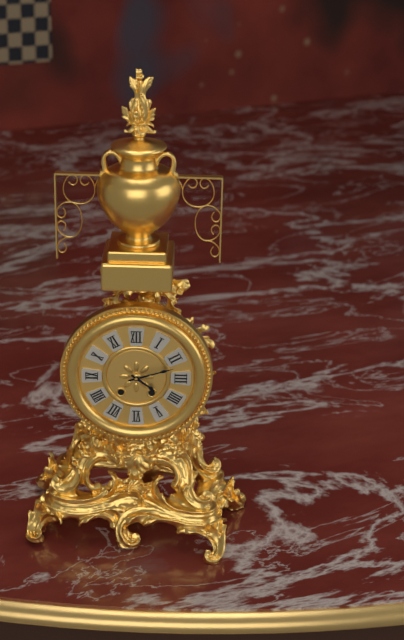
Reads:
h=4 m=12
